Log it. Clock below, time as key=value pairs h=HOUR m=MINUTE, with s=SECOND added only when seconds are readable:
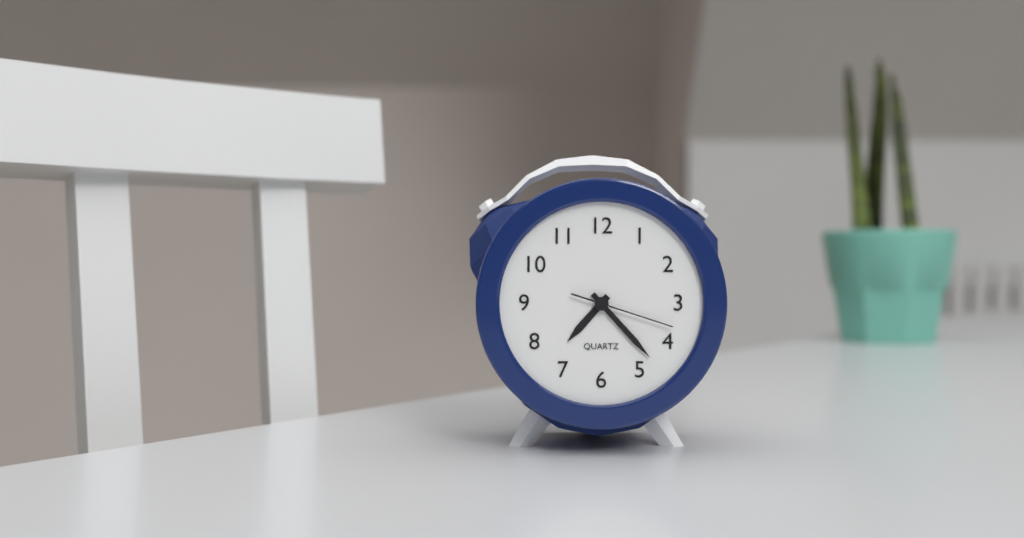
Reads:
h=7 m=23 s=18
